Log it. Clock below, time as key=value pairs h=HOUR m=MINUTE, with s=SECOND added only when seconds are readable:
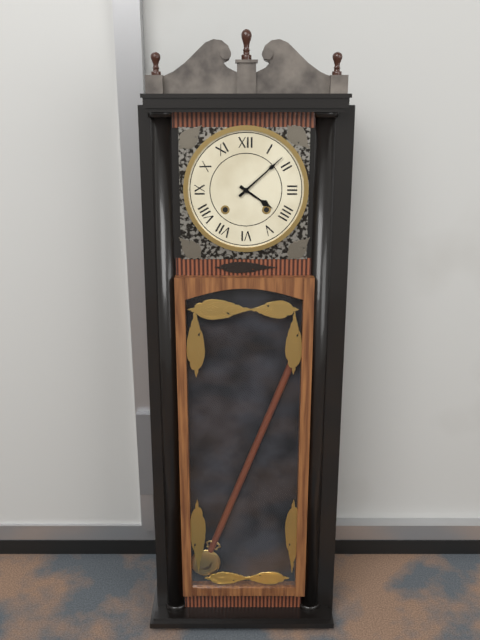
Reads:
h=4 m=8
